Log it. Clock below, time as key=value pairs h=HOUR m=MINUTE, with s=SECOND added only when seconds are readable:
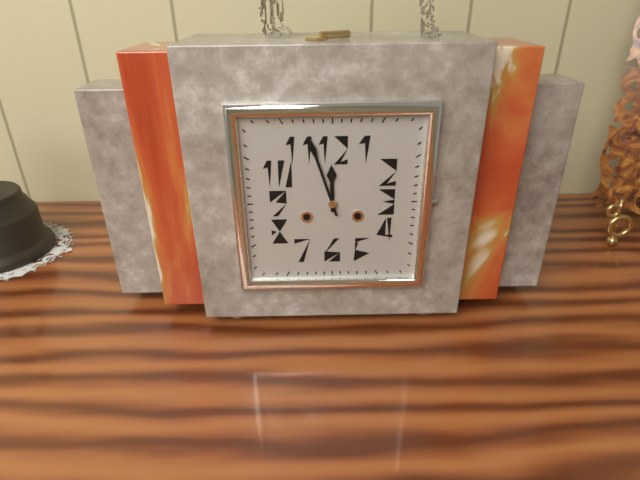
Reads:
h=11 m=57
